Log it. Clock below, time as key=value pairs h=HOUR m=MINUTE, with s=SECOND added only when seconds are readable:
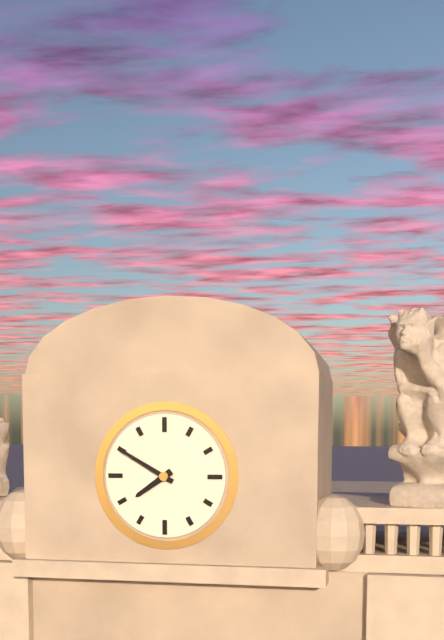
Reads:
h=7 m=50
